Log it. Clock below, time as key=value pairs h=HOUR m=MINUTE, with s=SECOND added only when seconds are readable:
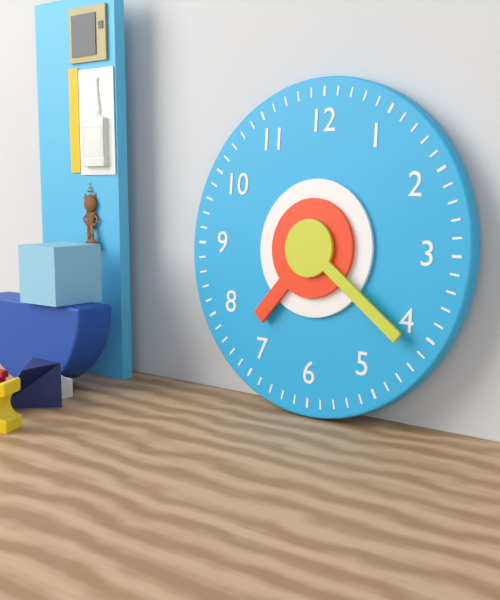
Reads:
h=7 m=21
